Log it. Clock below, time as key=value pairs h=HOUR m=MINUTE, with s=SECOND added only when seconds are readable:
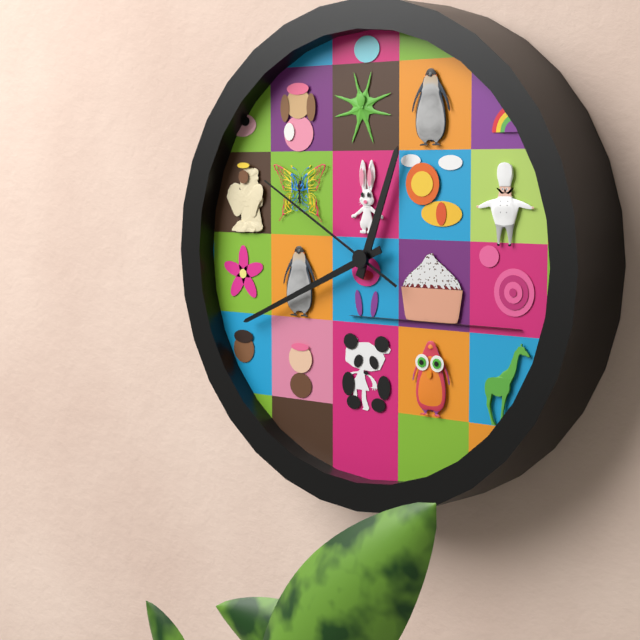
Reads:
h=12 m=41 s=50
